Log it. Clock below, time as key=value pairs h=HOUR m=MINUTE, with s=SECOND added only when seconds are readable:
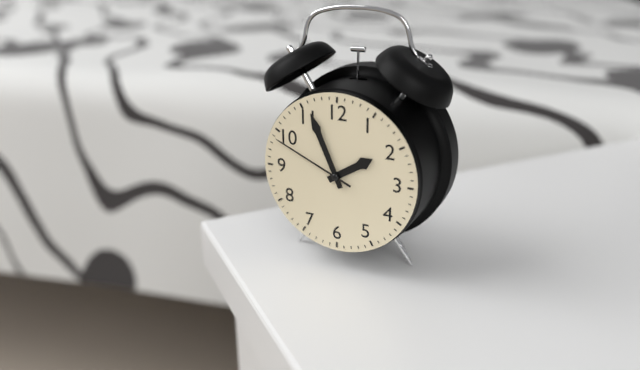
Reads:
h=1 m=56 s=49
